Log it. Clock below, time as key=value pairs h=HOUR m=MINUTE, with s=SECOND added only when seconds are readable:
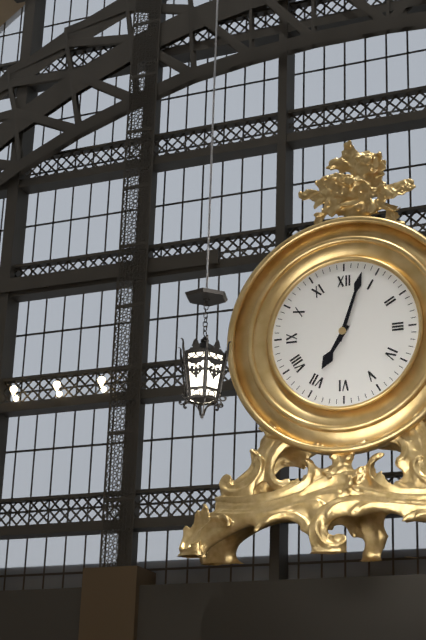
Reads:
h=7 m=3
